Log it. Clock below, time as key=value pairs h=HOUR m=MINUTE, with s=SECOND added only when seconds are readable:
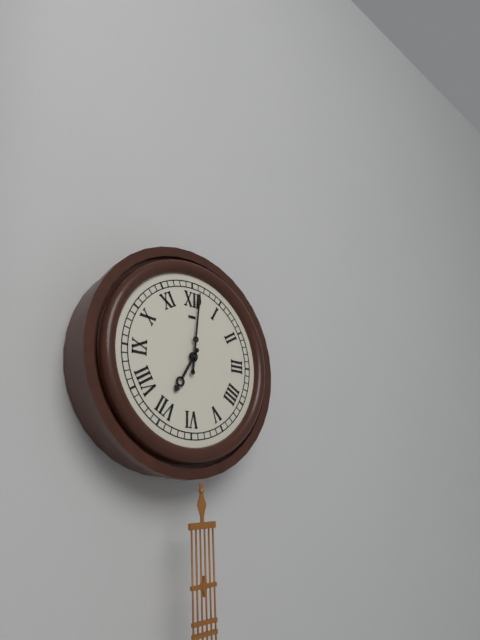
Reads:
h=7 m=1
